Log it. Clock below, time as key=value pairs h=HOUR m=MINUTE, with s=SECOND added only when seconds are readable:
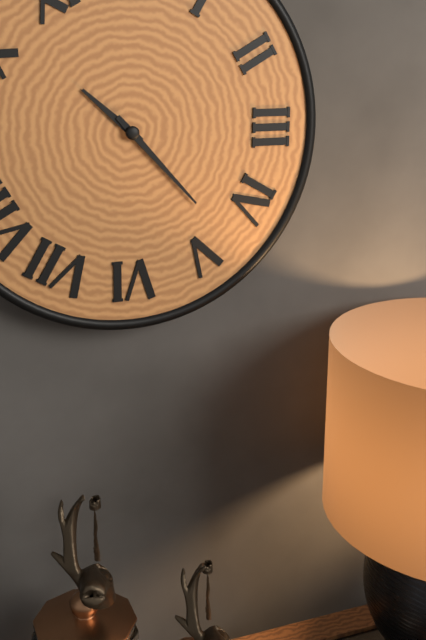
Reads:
h=10 m=23
